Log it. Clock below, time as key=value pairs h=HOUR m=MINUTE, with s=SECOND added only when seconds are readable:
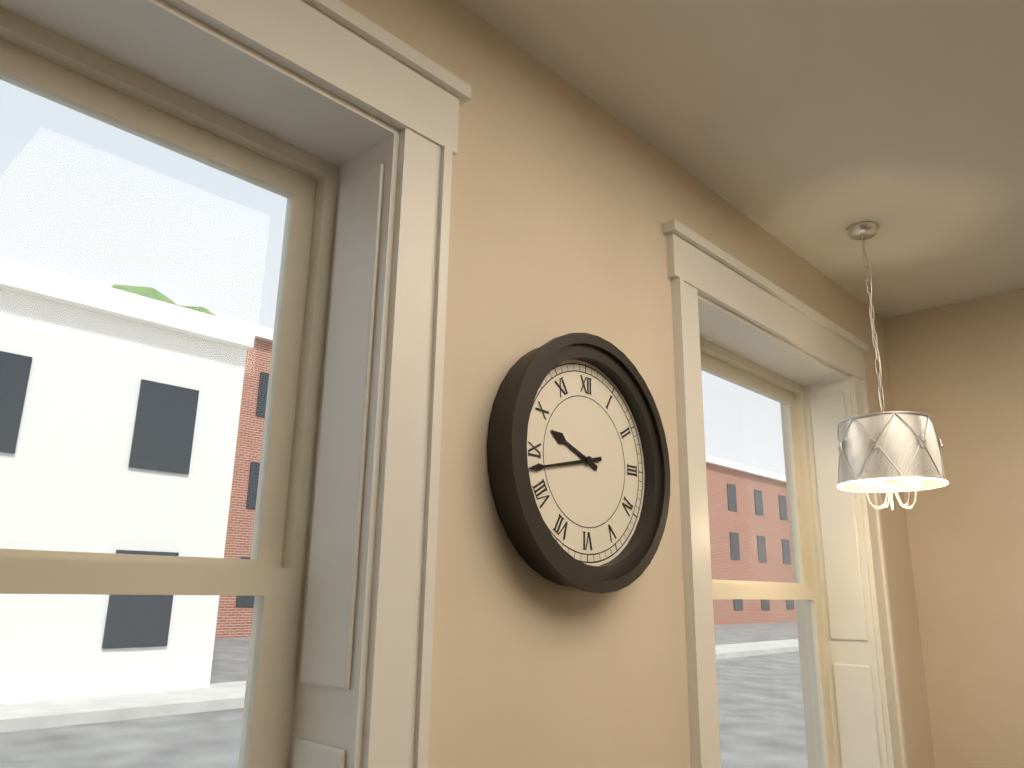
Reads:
h=9 m=43
